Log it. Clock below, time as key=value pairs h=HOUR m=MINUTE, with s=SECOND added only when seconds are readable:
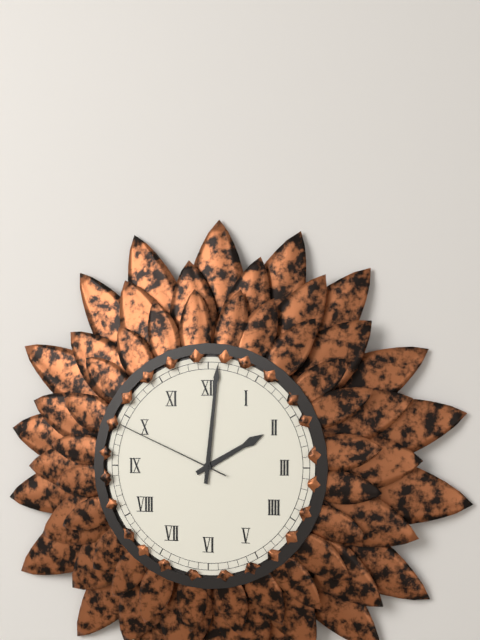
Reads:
h=2 m=1 s=49
